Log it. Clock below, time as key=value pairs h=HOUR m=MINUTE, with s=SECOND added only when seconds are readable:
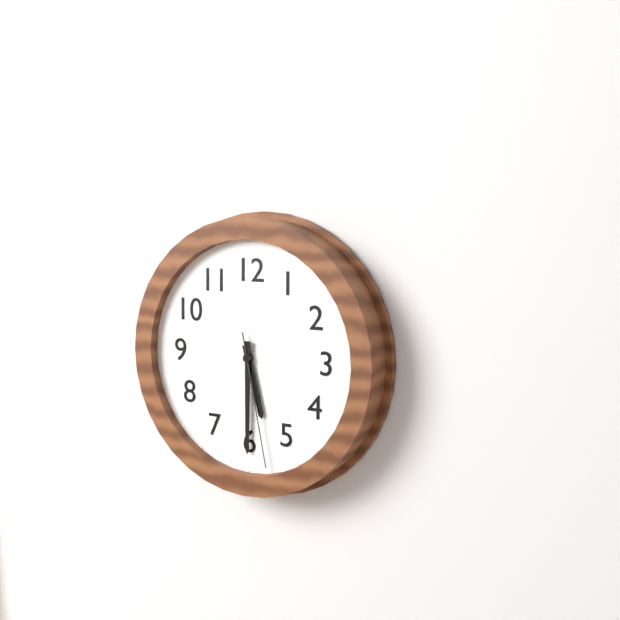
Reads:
h=5 m=30 s=28
